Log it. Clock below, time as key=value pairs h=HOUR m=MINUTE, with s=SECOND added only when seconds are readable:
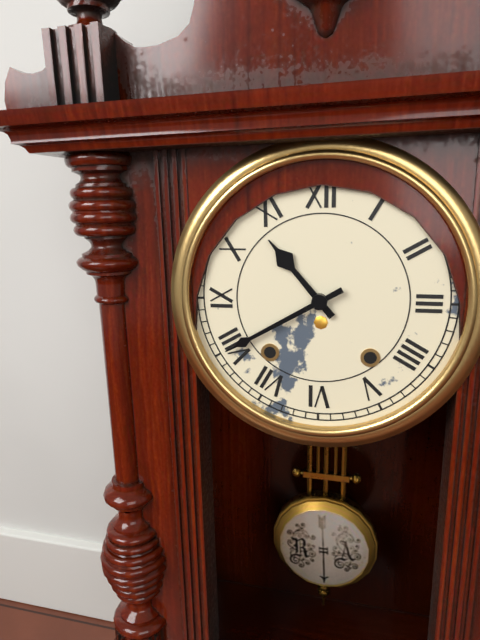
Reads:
h=10 m=40
